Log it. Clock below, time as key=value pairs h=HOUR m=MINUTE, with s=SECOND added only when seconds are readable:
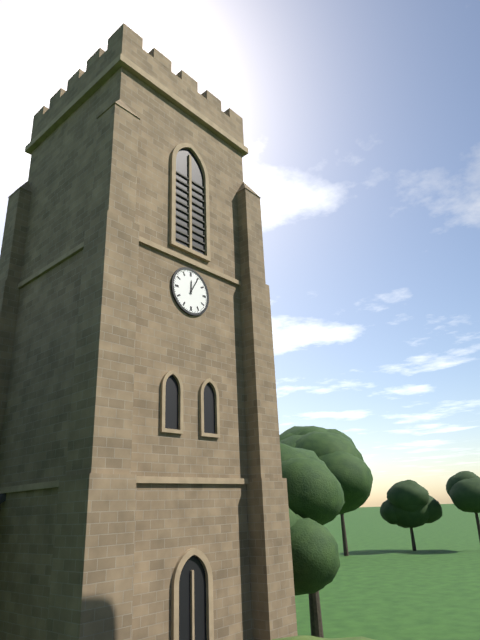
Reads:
h=12 m=5
